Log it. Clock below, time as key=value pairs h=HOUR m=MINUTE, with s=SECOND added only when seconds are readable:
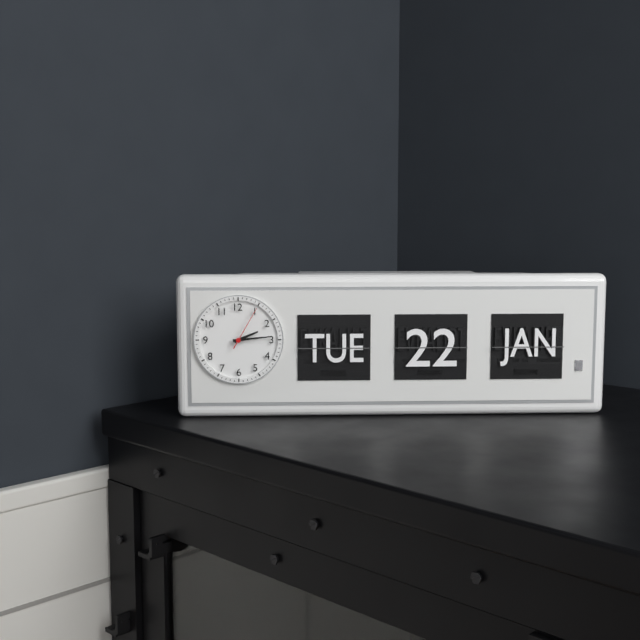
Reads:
h=2 m=14
